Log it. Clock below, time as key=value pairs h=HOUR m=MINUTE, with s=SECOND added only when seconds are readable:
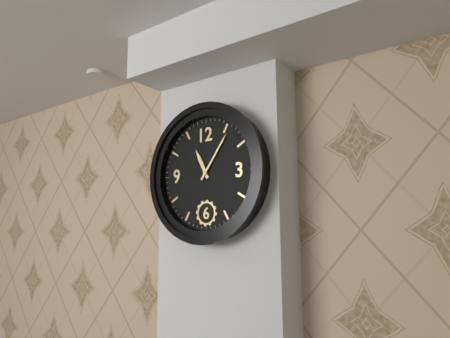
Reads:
h=11 m=6
